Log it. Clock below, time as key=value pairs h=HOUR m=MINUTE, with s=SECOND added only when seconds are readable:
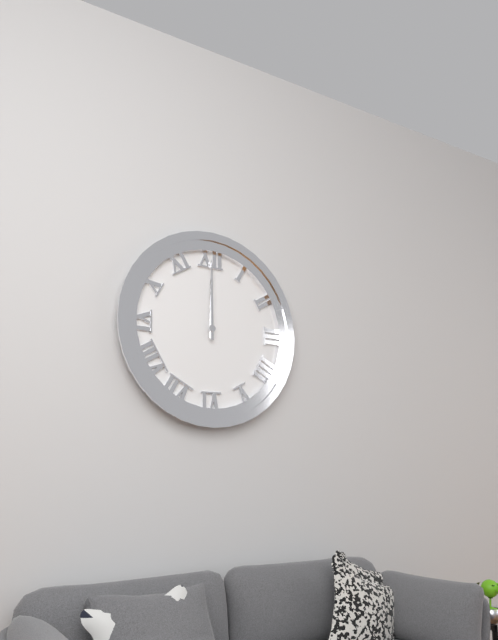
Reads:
h=12 m=0
